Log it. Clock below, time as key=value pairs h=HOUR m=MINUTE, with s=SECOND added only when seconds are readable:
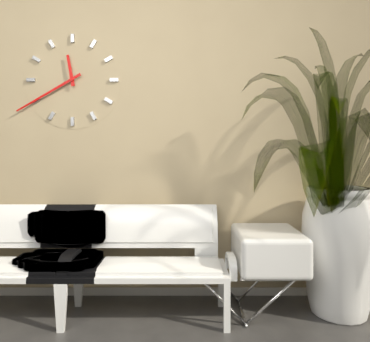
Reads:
h=11 m=40
